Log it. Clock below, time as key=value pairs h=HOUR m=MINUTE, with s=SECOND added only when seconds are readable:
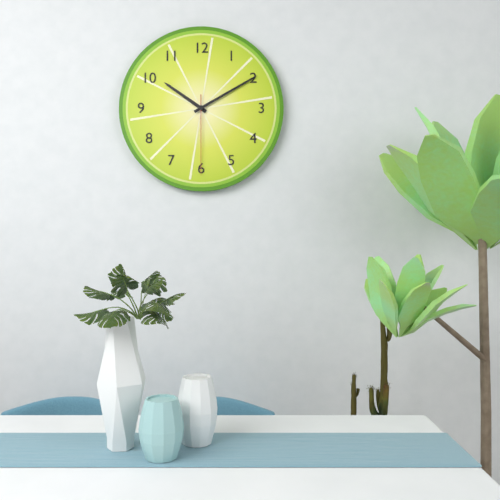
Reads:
h=10 m=10 s=30
